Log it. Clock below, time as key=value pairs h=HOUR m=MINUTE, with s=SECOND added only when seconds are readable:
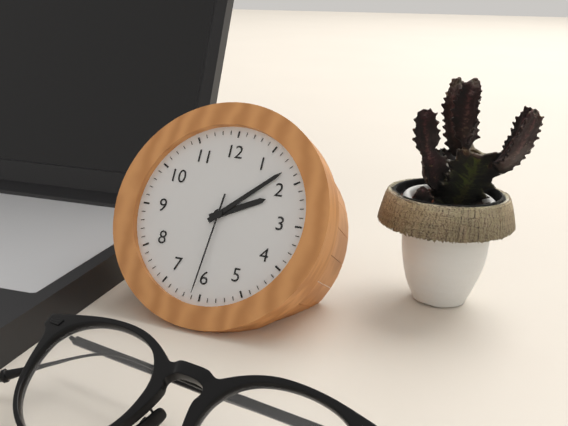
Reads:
h=2 m=8 s=31
